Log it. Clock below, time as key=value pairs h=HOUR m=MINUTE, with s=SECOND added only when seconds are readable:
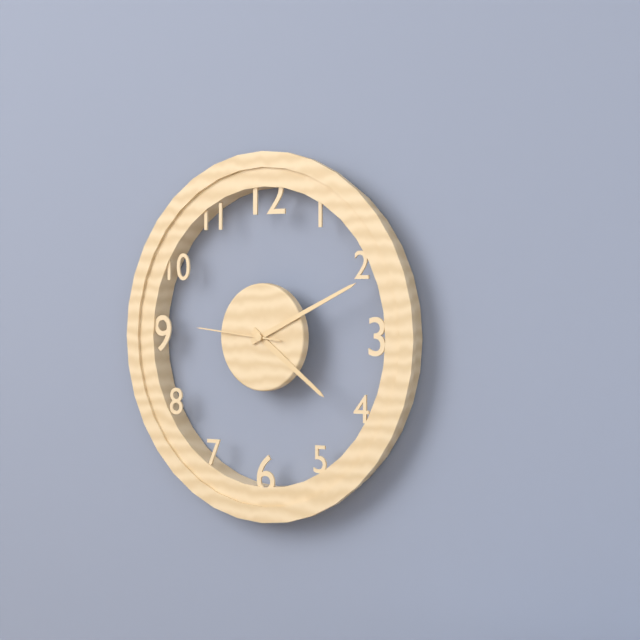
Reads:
h=4 m=11 s=46
